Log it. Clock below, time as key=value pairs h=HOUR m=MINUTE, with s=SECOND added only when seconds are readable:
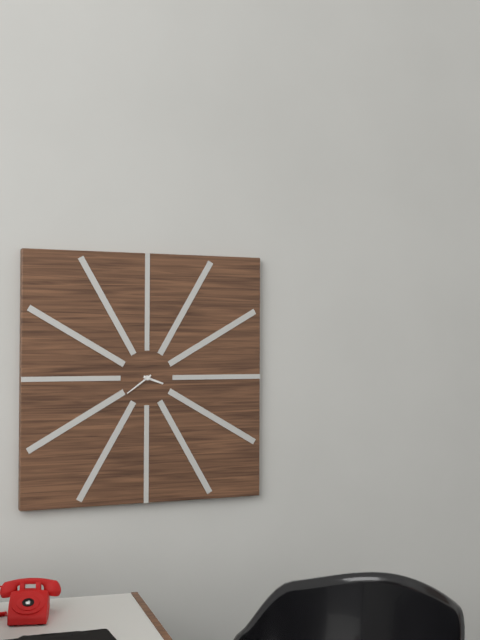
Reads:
h=3 m=39
